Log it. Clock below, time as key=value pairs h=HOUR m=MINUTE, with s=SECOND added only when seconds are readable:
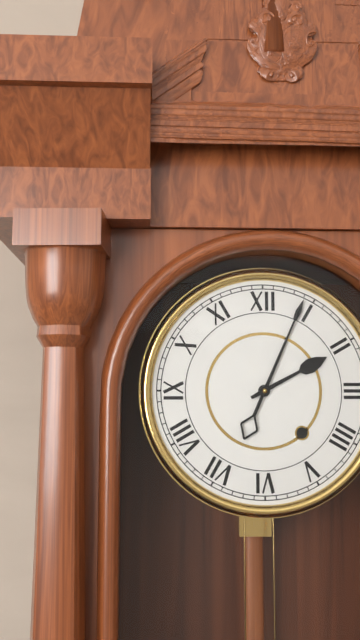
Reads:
h=2 m=4
